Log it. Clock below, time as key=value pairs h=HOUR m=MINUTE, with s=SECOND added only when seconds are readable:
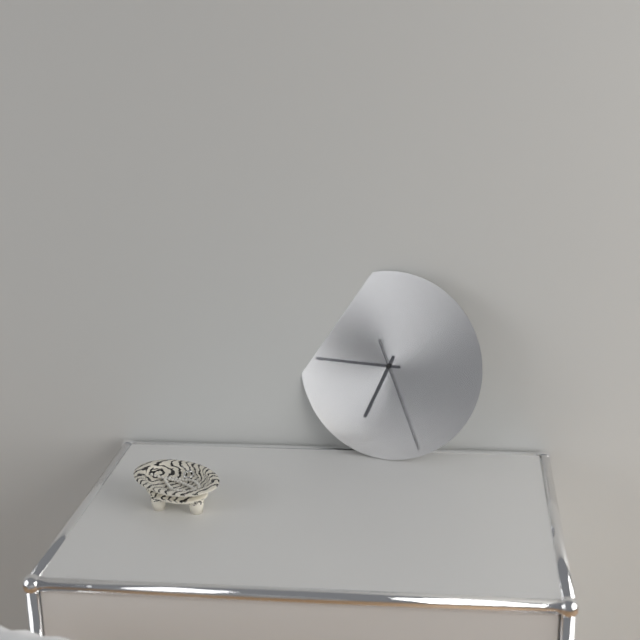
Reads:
h=6 m=45 s=26
